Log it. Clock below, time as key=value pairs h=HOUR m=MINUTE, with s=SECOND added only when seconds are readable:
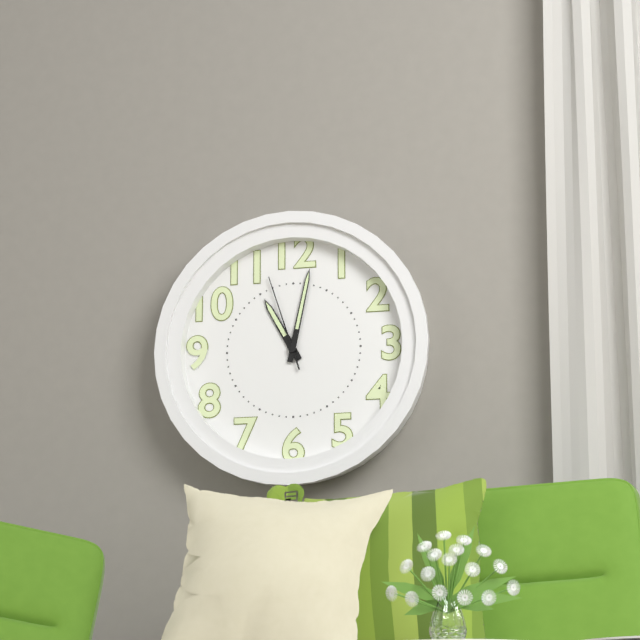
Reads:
h=11 m=2 s=57
